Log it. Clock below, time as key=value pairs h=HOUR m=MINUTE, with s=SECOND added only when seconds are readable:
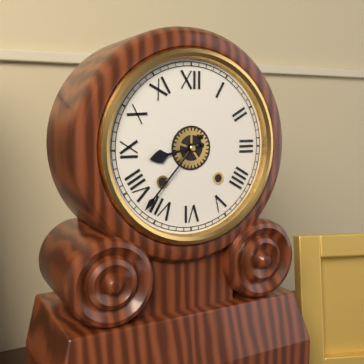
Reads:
h=8 m=37
